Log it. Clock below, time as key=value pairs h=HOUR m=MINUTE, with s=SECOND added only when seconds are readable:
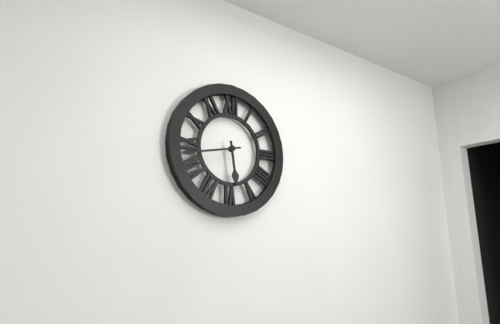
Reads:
h=5 m=43
